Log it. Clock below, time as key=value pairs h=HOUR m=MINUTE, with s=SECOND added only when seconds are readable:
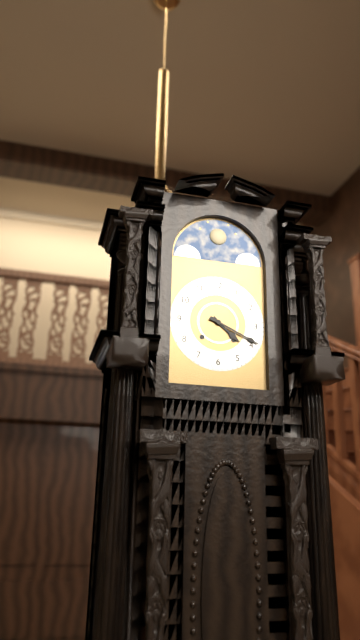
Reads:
h=4 m=19
